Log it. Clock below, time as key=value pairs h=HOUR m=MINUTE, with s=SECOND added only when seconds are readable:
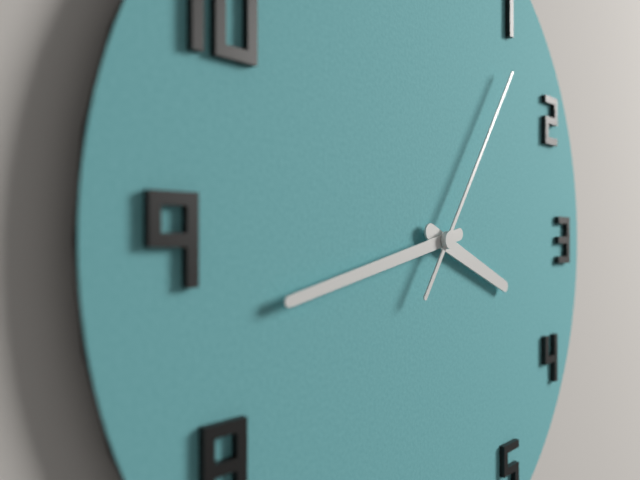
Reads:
h=3 m=43 s=6
